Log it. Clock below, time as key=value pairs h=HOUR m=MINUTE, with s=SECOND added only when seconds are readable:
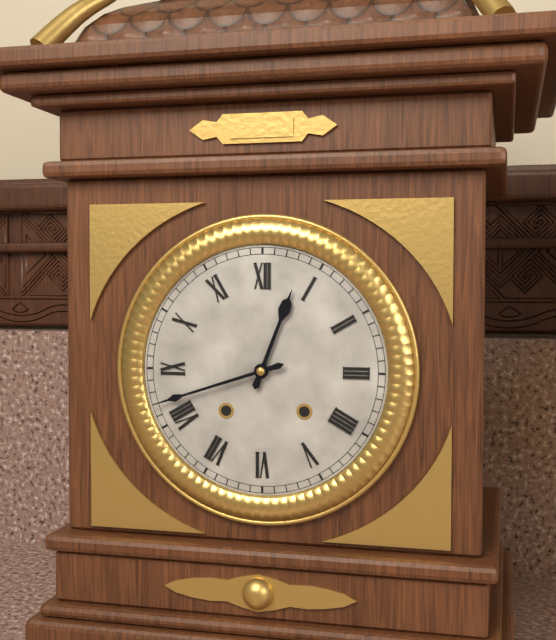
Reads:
h=12 m=42
